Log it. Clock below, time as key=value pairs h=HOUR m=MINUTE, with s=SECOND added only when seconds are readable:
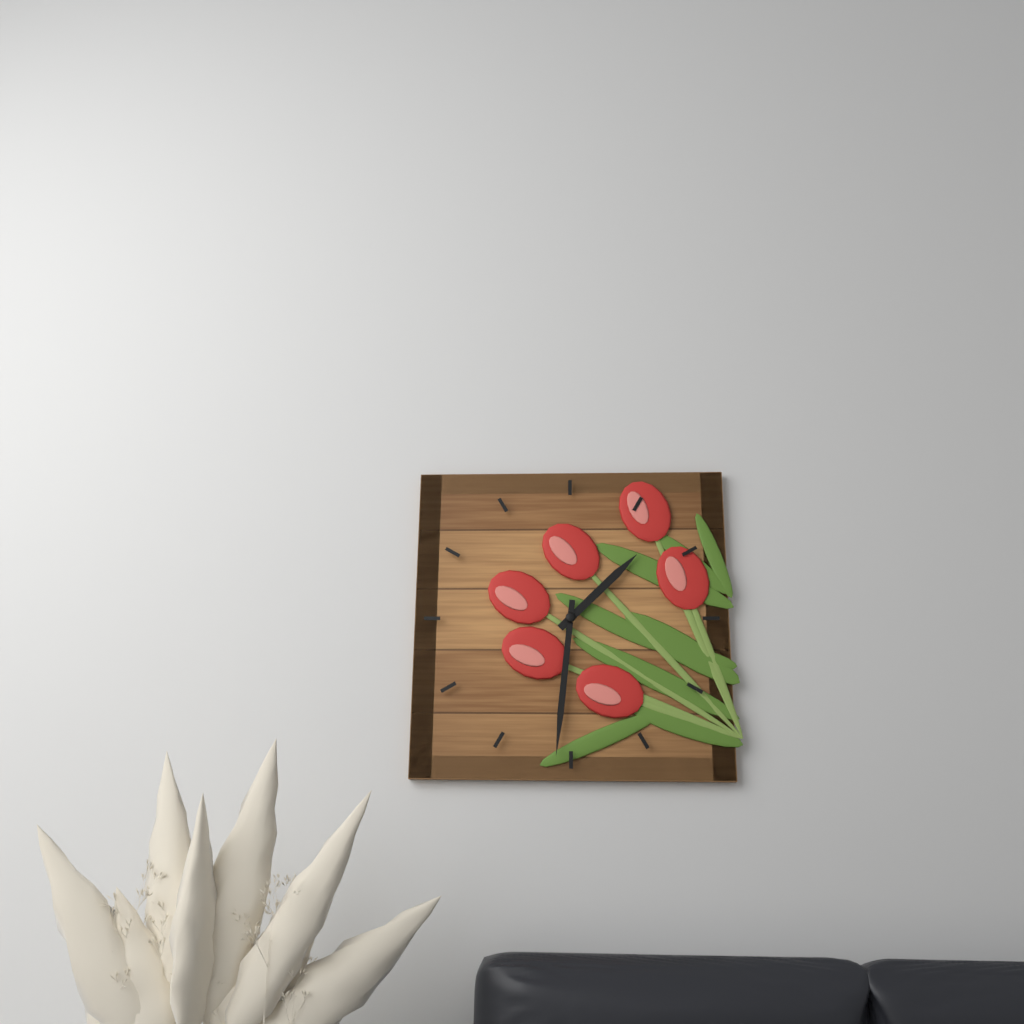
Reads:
h=1 m=31
